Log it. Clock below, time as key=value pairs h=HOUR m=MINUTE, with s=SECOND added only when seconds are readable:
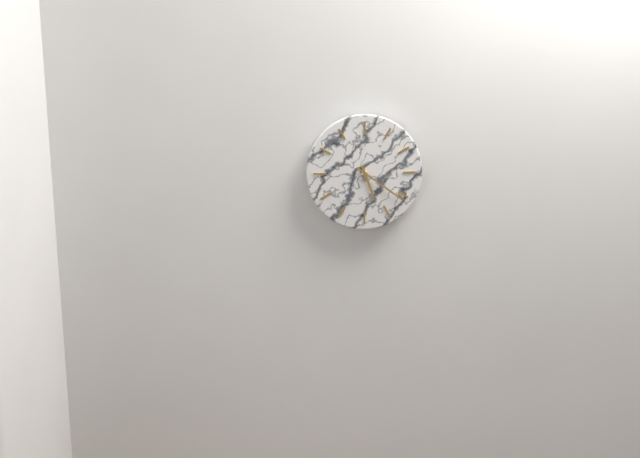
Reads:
h=5 m=21
